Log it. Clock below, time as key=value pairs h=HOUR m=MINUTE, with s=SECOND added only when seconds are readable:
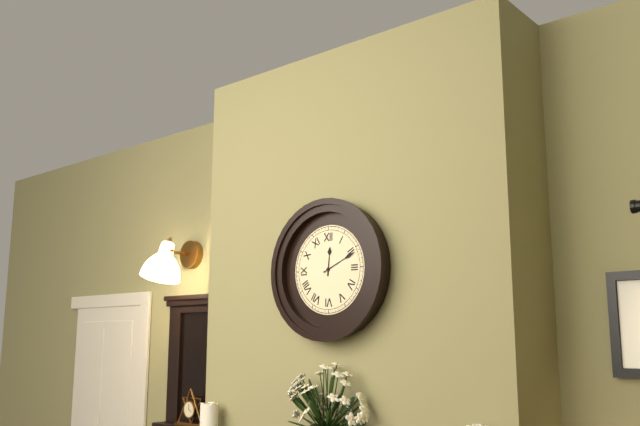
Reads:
h=12 m=11
